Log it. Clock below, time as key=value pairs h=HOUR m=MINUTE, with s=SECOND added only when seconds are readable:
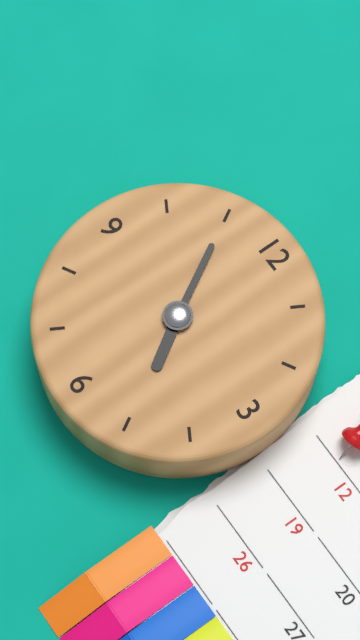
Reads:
h=4 m=55
